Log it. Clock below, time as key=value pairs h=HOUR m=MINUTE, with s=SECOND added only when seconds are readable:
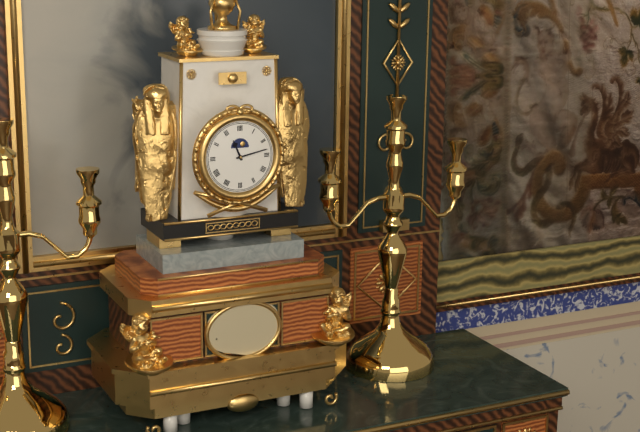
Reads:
h=11 m=13
